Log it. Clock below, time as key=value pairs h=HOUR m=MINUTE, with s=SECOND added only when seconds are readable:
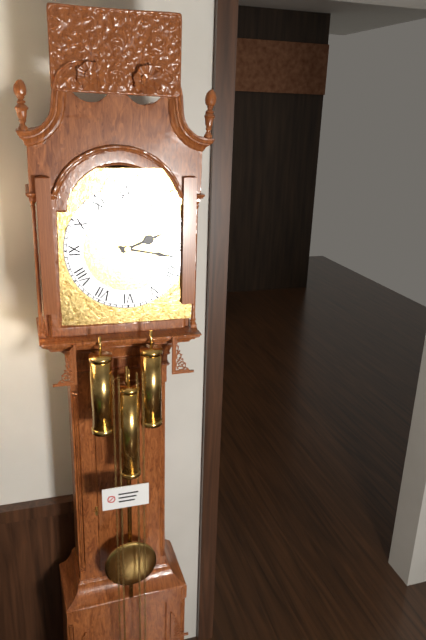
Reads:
h=2 m=17
